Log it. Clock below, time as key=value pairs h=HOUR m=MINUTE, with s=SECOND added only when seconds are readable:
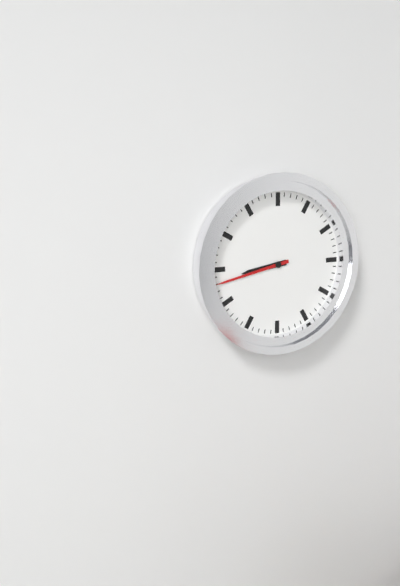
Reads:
h=8 m=43
